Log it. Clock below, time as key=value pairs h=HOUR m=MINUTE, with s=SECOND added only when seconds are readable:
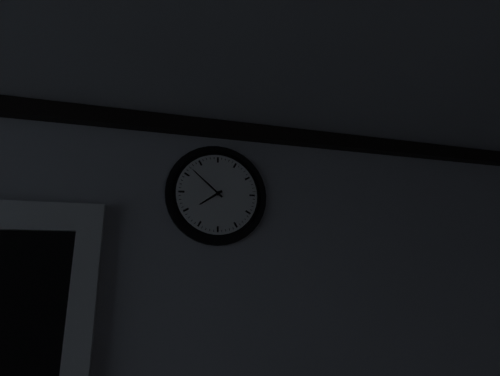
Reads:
h=7 m=52
